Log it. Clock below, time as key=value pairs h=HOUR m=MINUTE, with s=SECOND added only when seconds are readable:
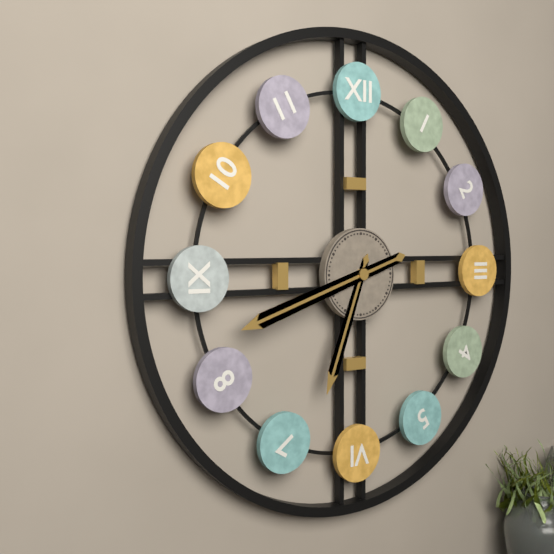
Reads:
h=6 m=42
